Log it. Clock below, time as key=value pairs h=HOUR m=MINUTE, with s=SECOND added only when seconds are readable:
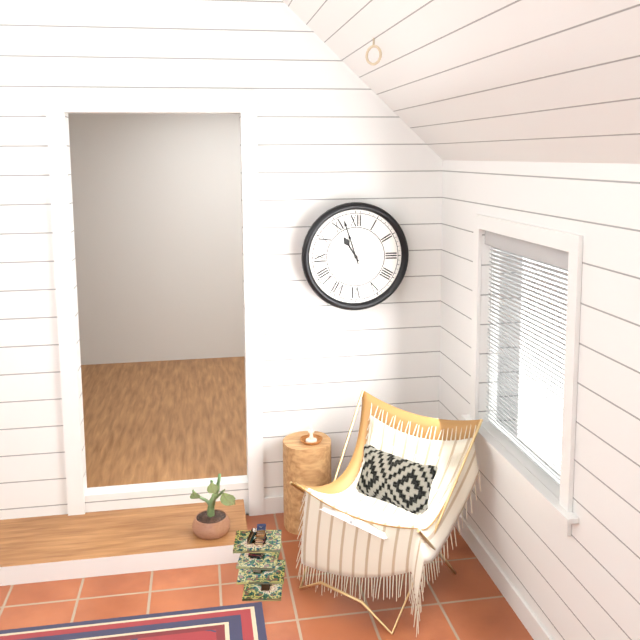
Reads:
h=10 m=57
